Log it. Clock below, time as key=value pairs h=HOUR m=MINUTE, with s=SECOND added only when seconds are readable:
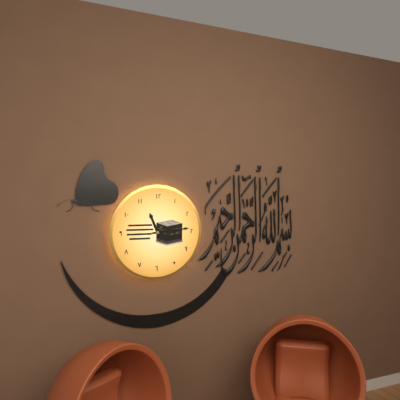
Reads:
h=11 m=14
